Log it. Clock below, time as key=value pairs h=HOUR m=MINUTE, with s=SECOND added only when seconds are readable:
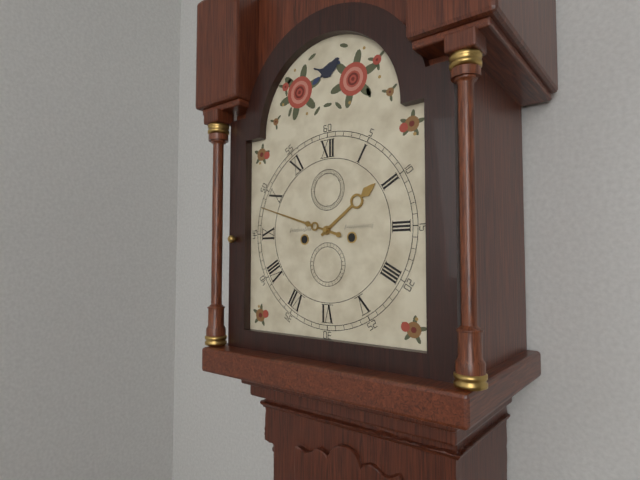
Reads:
h=1 m=48
